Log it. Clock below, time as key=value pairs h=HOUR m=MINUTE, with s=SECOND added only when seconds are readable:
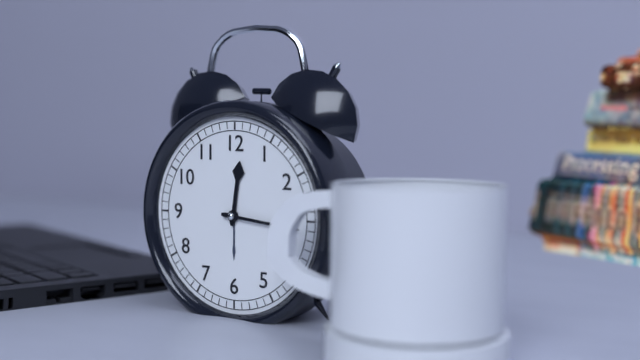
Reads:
h=12 m=16
